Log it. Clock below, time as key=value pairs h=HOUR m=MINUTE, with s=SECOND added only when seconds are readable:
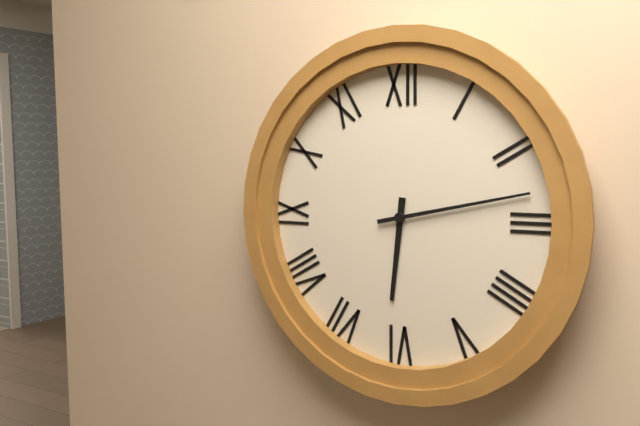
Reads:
h=6 m=13
